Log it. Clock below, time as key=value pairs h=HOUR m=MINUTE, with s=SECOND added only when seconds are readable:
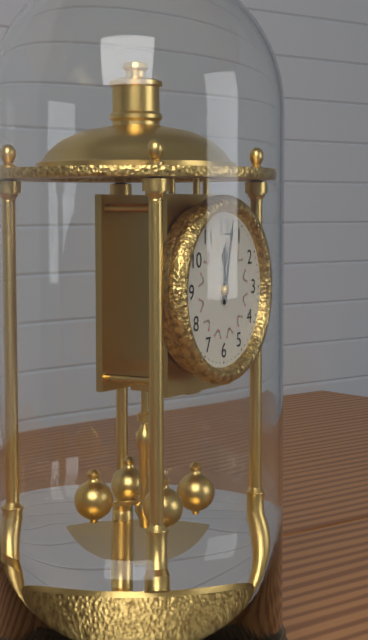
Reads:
h=12 m=2
